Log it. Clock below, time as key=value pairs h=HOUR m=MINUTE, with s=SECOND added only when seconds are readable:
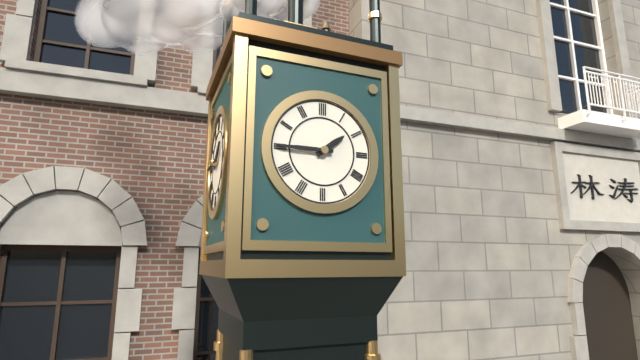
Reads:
h=1 m=45
